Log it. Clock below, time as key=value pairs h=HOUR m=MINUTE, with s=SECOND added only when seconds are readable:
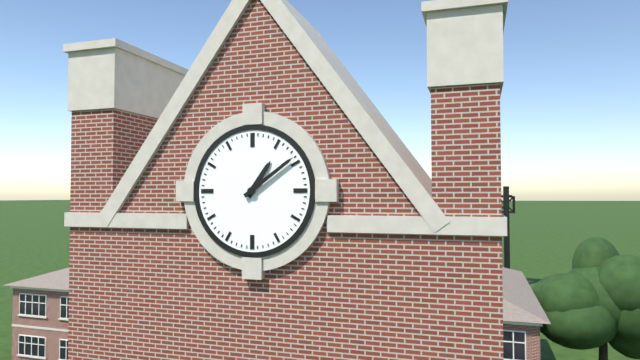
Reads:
h=1 m=9
